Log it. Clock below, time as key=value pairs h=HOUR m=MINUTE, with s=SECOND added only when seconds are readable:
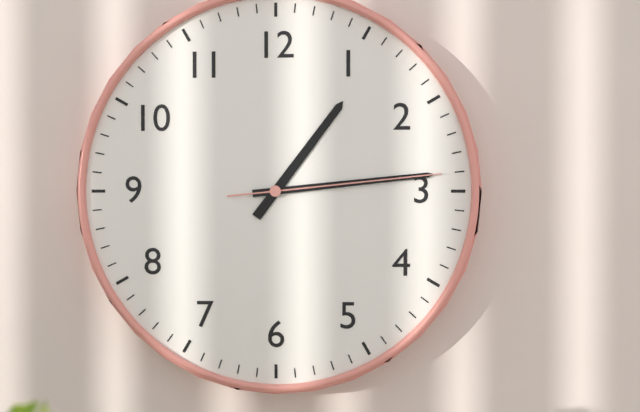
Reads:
h=1 m=14 s=14
